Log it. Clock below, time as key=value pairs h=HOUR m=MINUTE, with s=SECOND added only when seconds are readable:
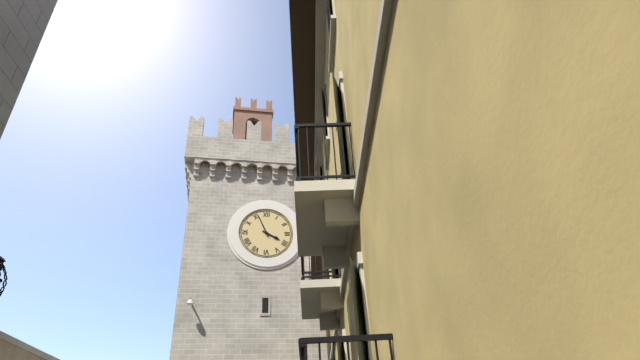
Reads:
h=3 m=56
